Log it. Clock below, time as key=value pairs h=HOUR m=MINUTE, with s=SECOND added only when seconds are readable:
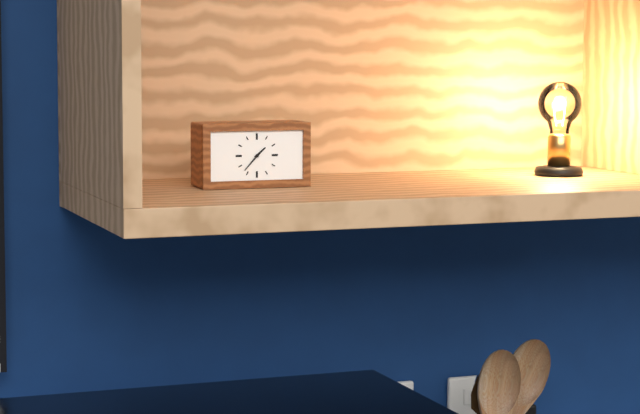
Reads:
h=1 m=37
